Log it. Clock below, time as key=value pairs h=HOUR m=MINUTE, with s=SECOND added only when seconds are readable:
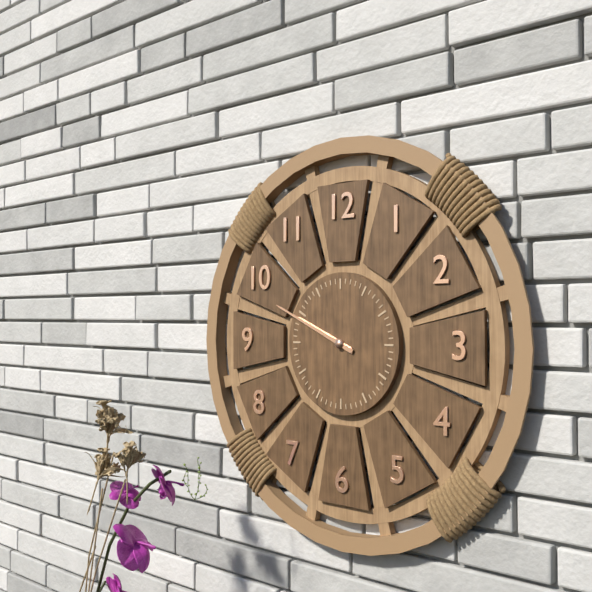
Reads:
h=9 m=49
